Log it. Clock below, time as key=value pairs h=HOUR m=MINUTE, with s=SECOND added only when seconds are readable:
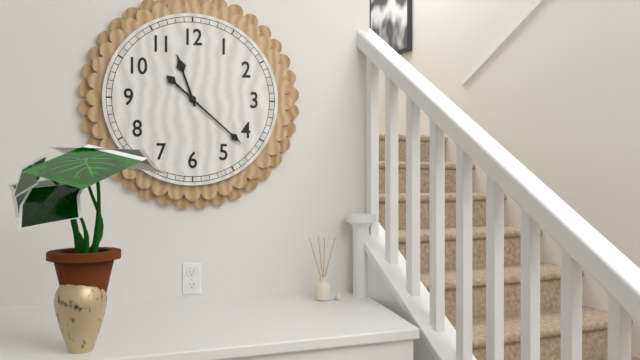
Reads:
h=11 m=22
